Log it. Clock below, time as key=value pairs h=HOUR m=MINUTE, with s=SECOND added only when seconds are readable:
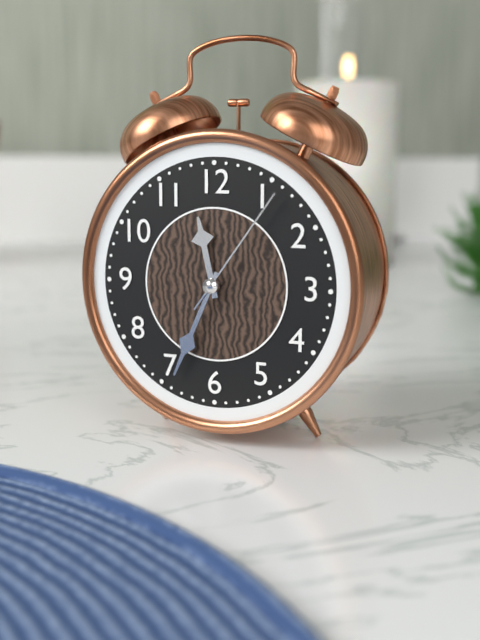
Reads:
h=11 m=34 s=6
